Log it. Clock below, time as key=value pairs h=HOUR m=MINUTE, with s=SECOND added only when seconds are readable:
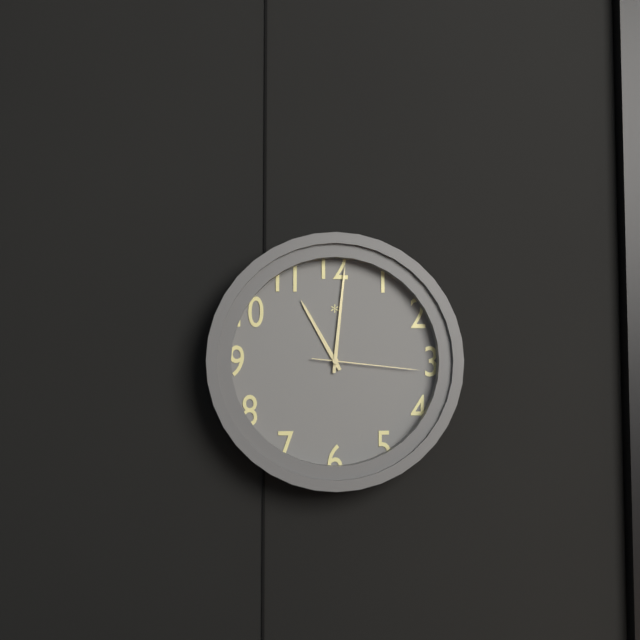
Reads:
h=11 m=1 s=16
